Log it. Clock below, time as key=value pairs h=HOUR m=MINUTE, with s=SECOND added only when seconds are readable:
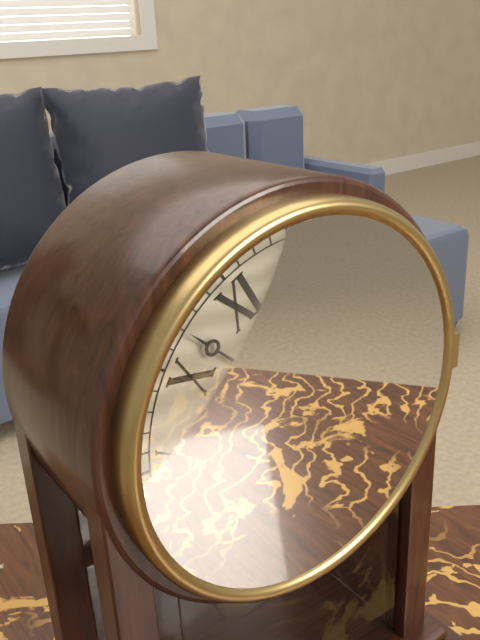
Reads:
h=8 m=52
